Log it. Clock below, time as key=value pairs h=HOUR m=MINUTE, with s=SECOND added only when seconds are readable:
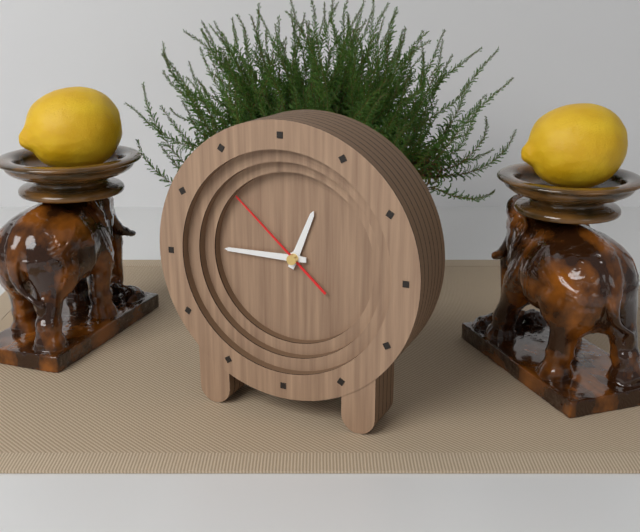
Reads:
h=12 m=45 s=52
